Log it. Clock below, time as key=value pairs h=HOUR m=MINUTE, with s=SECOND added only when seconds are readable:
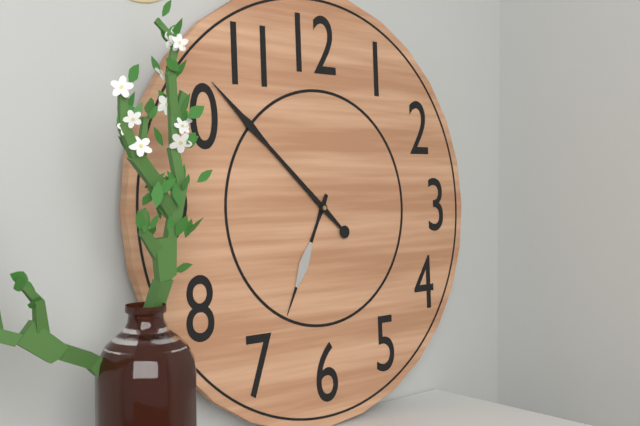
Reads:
h=6 m=52
